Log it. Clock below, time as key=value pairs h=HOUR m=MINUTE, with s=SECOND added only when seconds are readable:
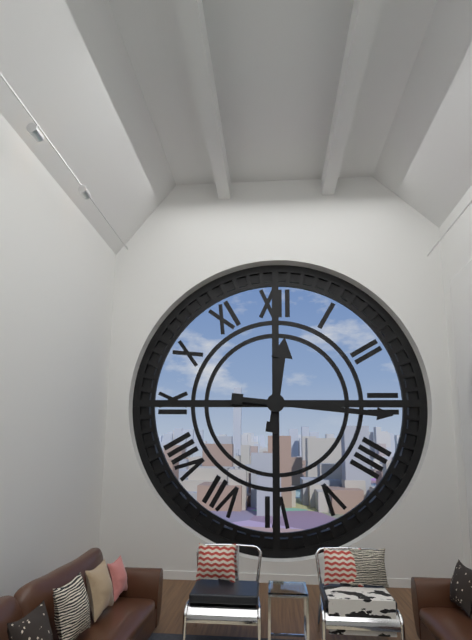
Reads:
h=12 m=16
